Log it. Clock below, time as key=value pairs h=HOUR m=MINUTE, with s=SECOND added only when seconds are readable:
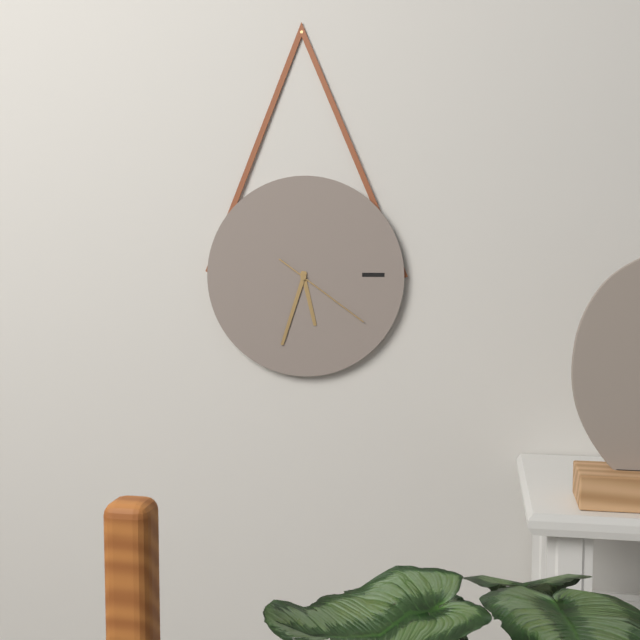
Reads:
h=5 m=33 s=21
